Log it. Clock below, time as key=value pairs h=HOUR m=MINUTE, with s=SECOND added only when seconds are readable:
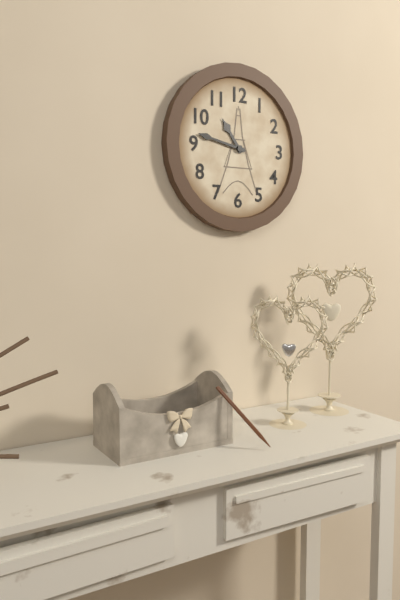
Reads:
h=10 m=47
